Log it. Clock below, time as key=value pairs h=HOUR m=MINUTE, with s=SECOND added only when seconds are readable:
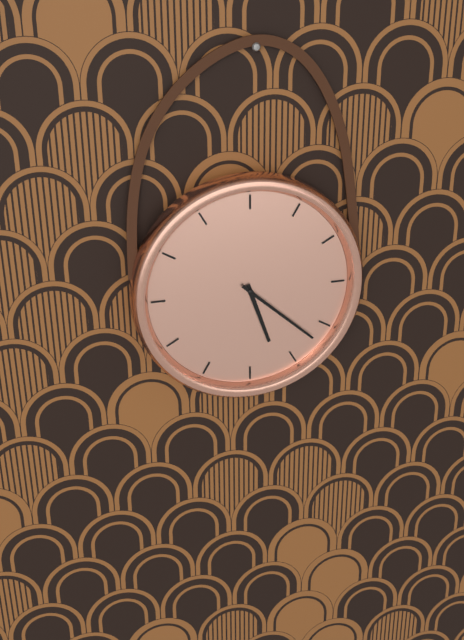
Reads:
h=5 m=22
